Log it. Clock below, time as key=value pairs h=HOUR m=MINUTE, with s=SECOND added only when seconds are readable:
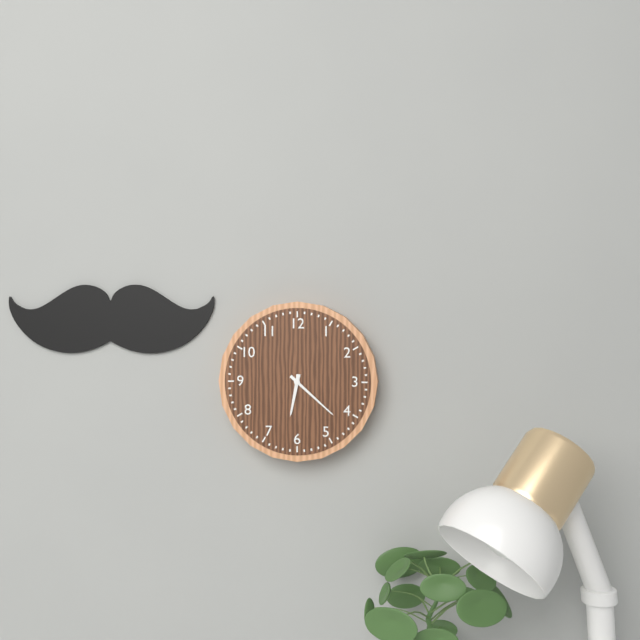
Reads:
h=6 m=22
